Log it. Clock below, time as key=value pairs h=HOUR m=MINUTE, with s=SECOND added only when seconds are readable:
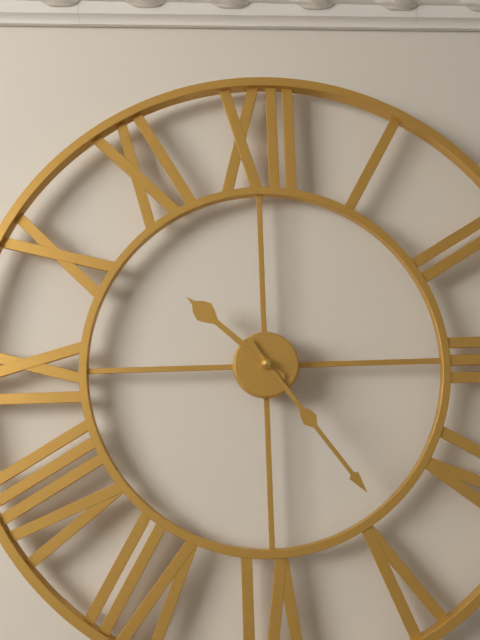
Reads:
h=10 m=24
